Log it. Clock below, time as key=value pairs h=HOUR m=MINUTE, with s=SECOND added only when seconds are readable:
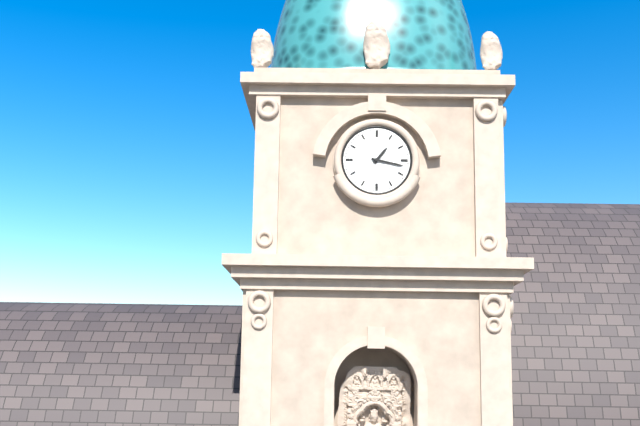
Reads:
h=1 m=17
